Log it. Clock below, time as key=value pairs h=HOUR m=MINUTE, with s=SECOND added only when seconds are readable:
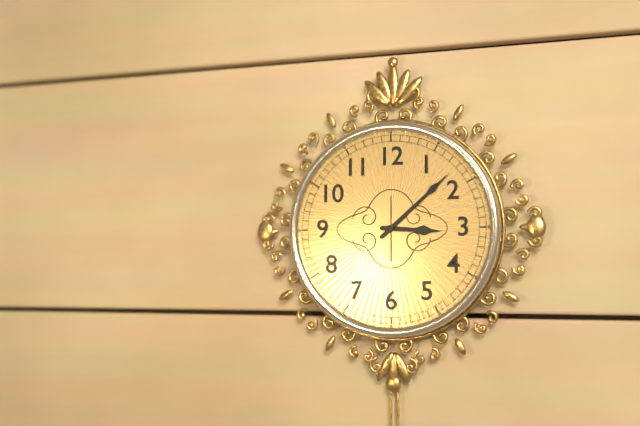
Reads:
h=3 m=8
